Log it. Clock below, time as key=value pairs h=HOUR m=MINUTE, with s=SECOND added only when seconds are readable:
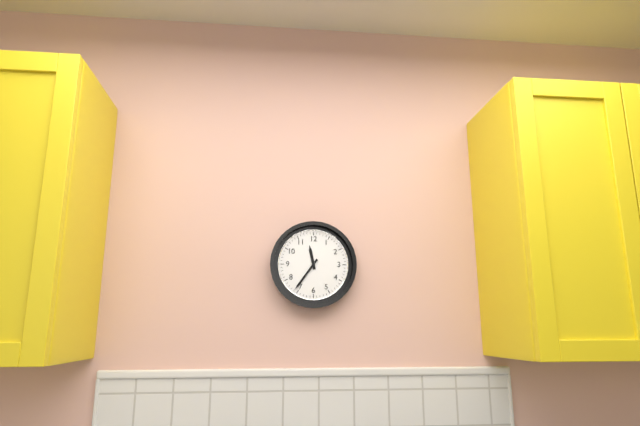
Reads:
h=11 m=36
